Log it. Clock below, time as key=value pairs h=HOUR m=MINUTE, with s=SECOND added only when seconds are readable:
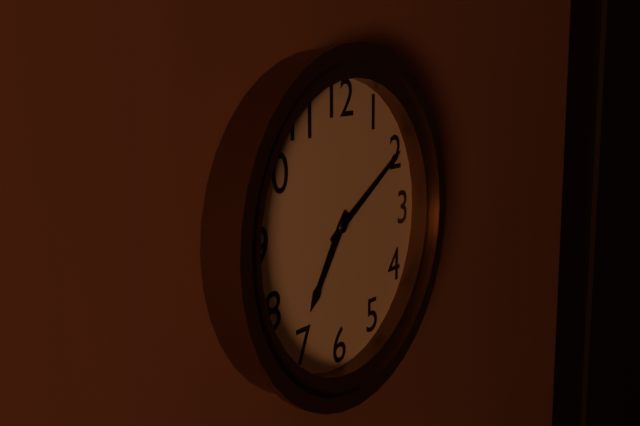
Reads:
h=7 m=10
